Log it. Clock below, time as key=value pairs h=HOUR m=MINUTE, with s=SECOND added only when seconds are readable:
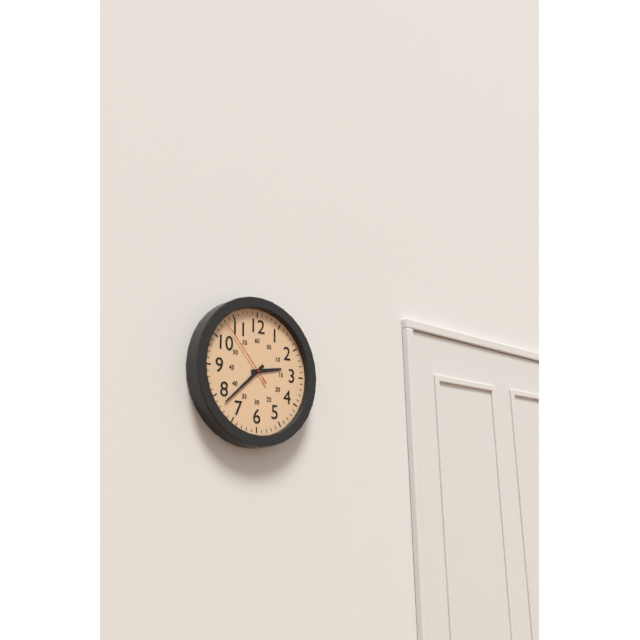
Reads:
h=2 m=38 s=53
